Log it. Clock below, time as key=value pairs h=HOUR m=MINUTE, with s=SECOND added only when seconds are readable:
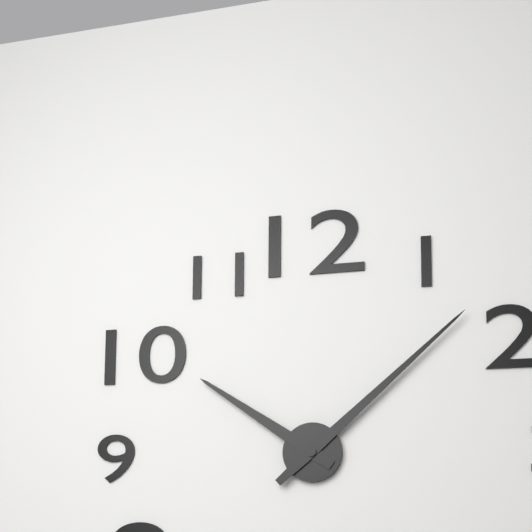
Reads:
h=10 m=8
